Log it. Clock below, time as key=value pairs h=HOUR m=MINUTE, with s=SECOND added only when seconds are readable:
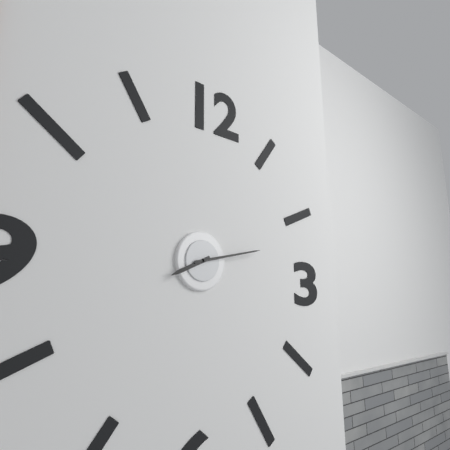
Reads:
h=8 m=13
